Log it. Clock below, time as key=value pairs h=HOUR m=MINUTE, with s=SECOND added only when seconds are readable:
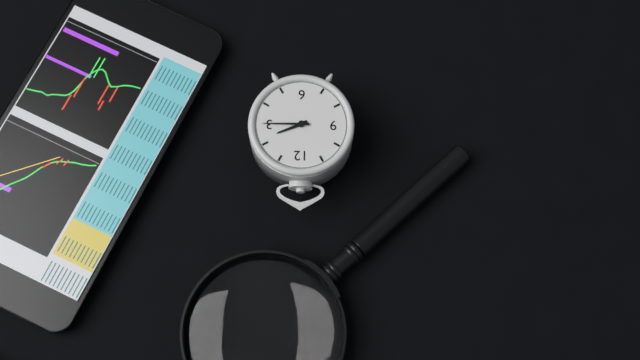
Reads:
h=2 m=15
